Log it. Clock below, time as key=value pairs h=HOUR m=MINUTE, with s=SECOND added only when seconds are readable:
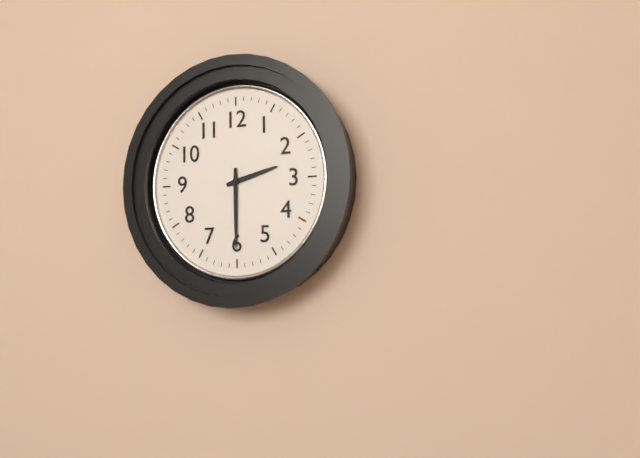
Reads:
h=2 m=30
